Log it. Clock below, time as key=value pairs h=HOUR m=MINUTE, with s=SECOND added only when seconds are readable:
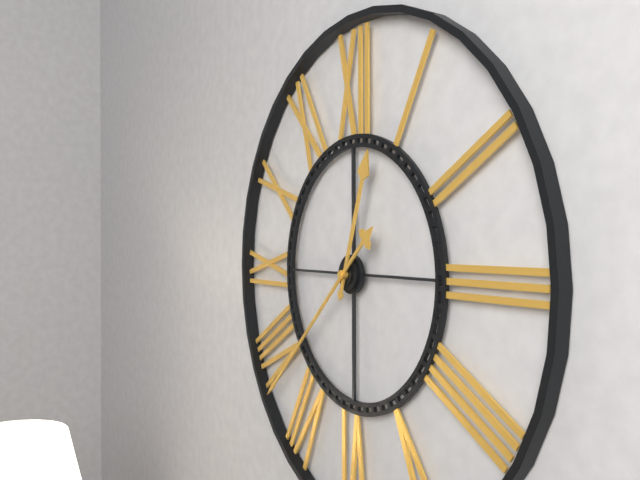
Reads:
h=12 m=38
